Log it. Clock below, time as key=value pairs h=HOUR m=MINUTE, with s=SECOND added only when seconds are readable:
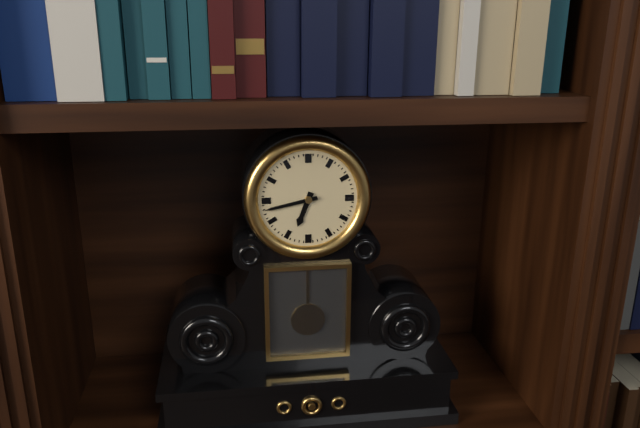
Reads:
h=6 m=43
